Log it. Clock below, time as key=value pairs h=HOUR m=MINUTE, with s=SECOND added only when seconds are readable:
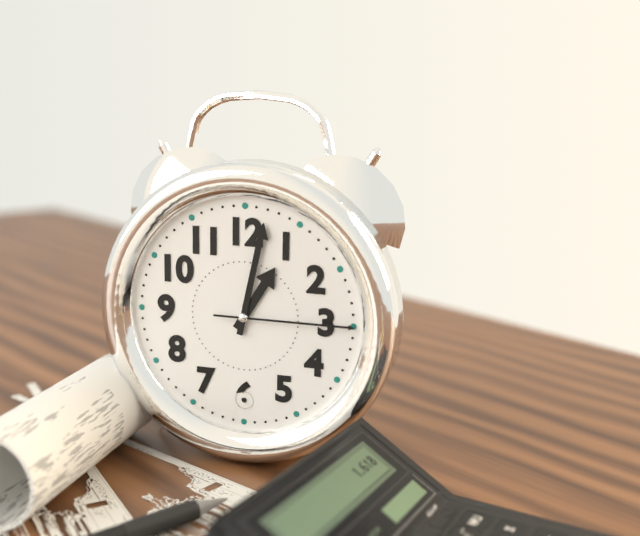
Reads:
h=1 m=2 s=15
